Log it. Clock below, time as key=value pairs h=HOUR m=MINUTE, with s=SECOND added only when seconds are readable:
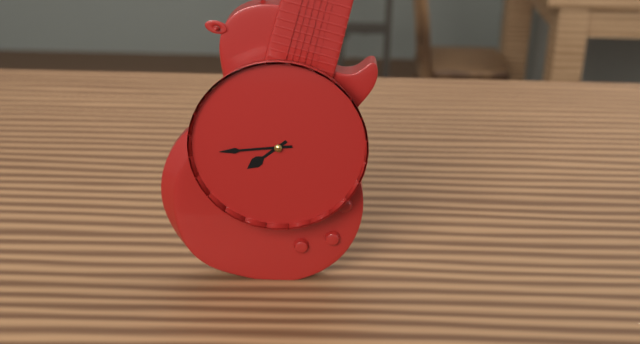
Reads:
h=7 m=44
